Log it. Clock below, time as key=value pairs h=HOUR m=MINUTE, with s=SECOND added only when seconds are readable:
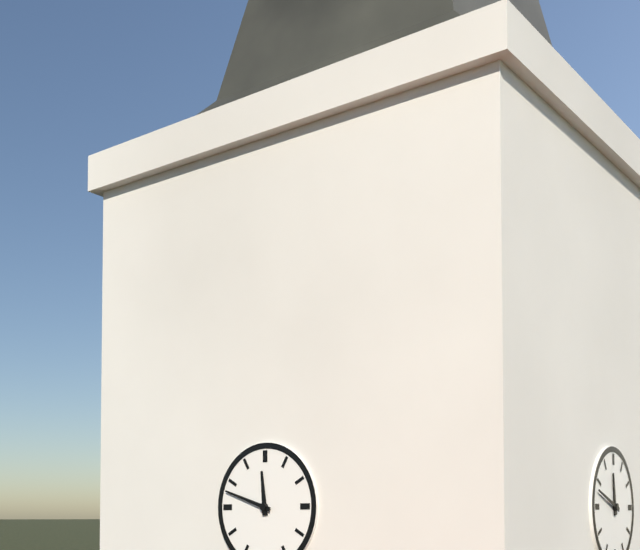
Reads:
h=11 m=48
